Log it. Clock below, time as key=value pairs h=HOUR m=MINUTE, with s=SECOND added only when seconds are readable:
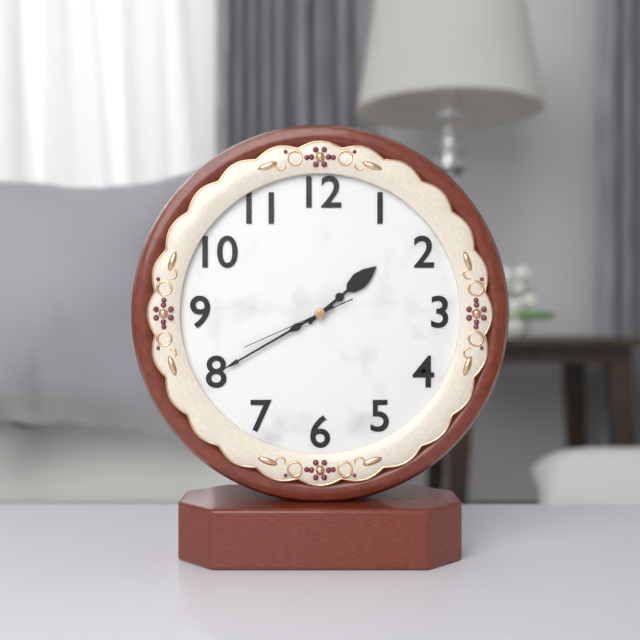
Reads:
h=1 m=40 s=41
